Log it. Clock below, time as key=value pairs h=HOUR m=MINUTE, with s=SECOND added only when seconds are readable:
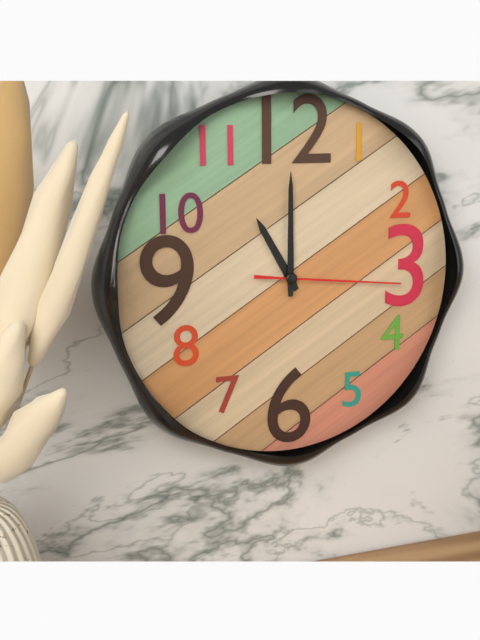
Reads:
h=11 m=0 s=16
